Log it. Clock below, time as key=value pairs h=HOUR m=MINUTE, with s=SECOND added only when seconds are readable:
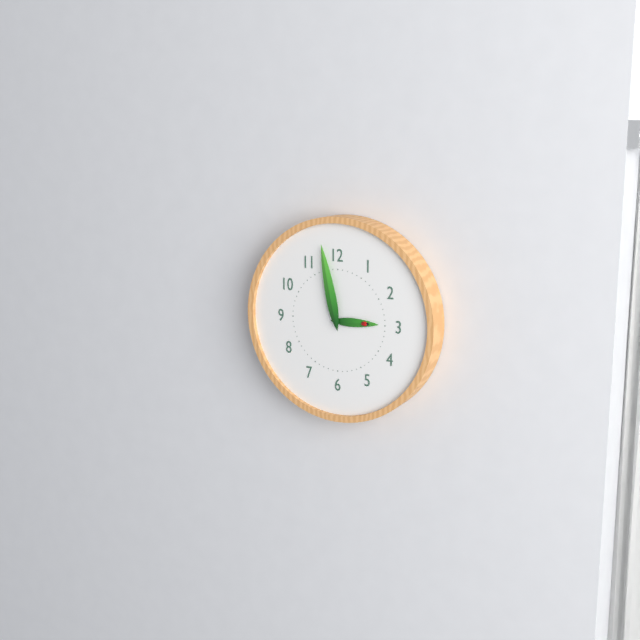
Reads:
h=2 m=58
